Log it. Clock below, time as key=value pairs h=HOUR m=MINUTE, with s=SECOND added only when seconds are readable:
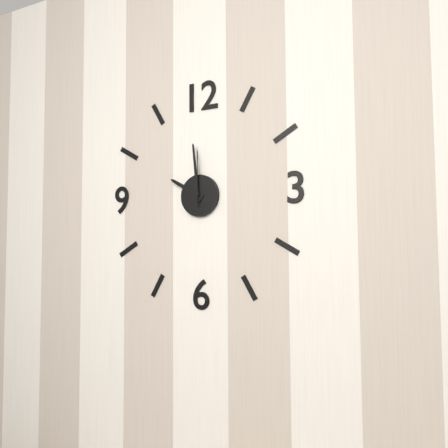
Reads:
h=9 m=59 s=0
